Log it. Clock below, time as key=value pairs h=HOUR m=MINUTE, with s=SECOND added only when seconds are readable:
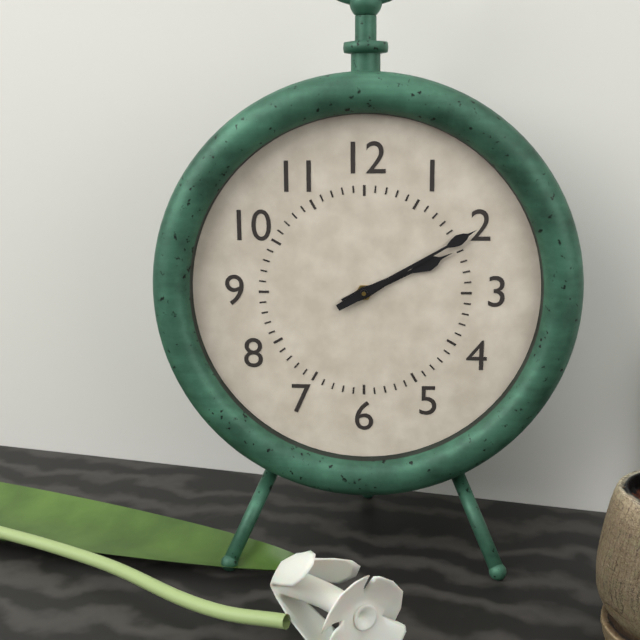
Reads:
h=2 m=10
